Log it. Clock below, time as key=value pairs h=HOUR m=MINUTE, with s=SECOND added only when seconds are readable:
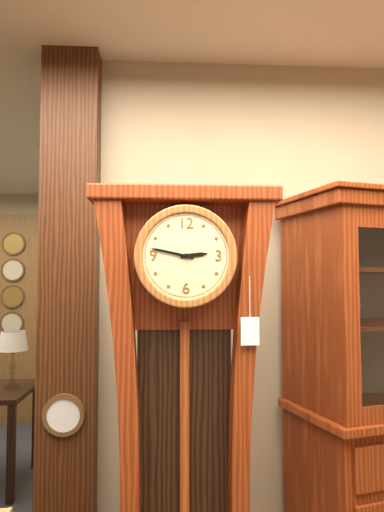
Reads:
h=2 m=47
